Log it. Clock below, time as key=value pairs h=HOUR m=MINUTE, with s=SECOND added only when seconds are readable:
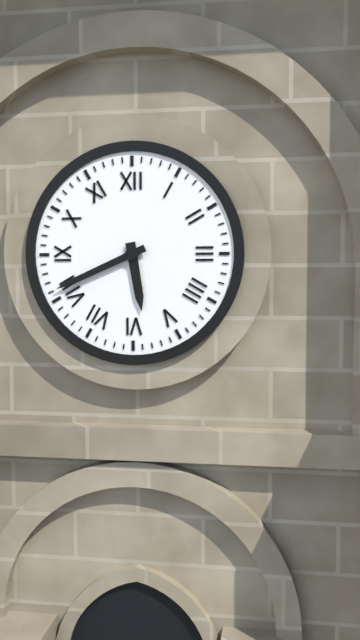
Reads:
h=5 m=41
